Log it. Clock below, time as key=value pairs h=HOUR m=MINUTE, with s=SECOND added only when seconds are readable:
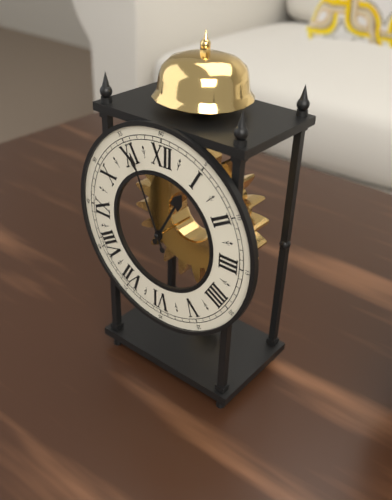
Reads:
h=12 m=56
